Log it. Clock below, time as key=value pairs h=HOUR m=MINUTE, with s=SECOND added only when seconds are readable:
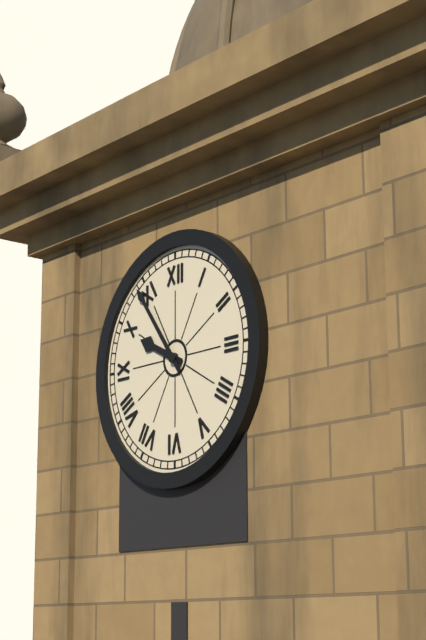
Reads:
h=9 m=54
